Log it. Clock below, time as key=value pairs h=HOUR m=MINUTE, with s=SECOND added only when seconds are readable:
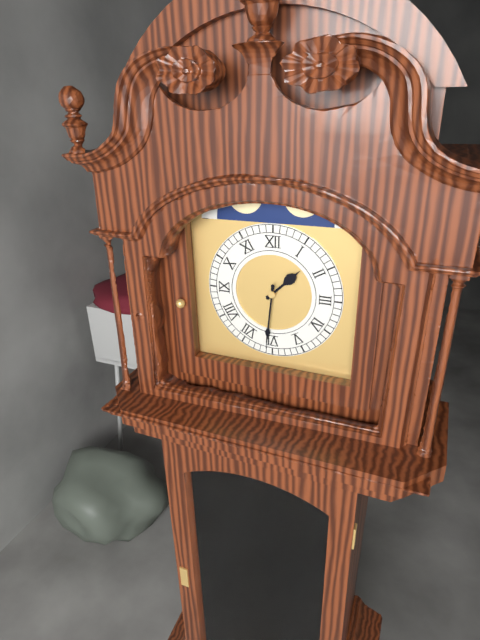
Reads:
h=1 m=31
